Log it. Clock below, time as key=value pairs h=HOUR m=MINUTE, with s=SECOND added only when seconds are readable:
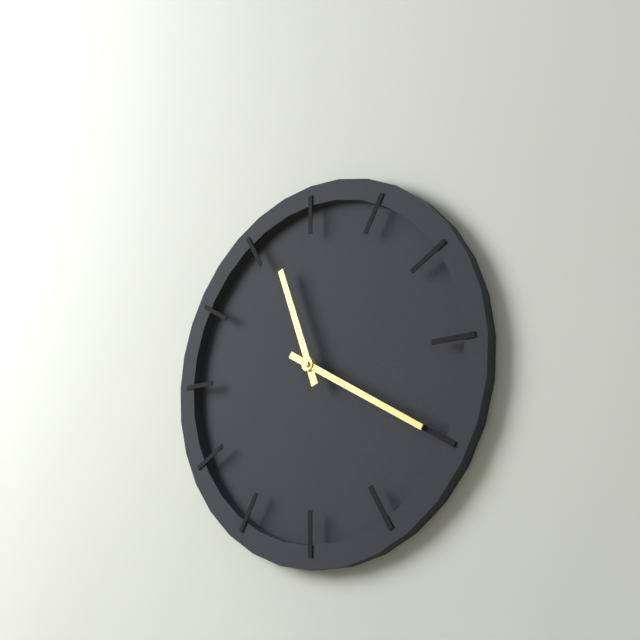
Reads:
h=11 m=20
